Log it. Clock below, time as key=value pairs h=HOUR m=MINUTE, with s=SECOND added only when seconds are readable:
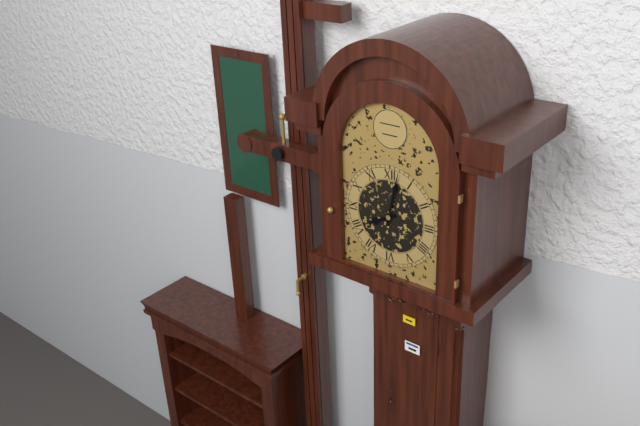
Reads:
h=8 m=2
